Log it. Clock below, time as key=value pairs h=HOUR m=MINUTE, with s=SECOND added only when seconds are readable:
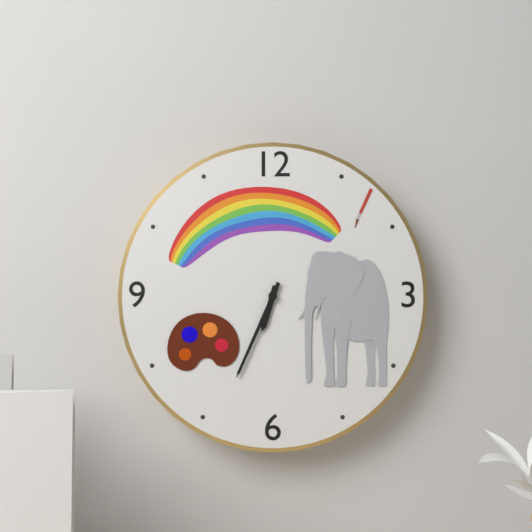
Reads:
h=6 m=34
